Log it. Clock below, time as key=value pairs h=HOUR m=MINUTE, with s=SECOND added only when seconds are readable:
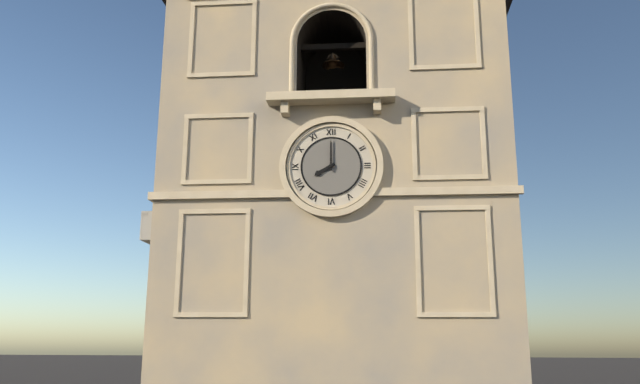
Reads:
h=8 m=0
